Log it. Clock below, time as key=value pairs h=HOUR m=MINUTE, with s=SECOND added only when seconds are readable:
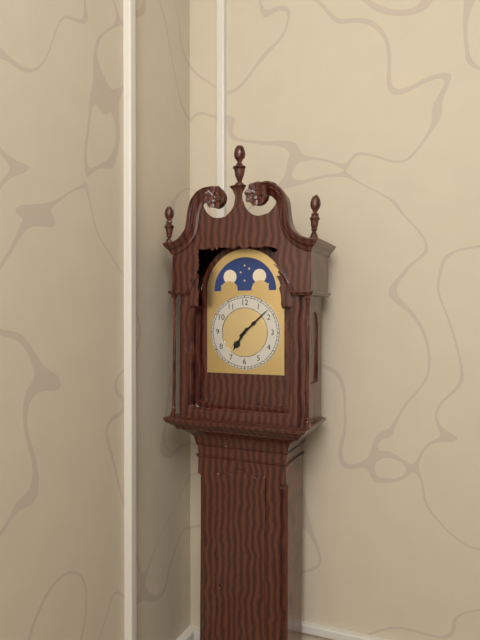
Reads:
h=7 m=8
